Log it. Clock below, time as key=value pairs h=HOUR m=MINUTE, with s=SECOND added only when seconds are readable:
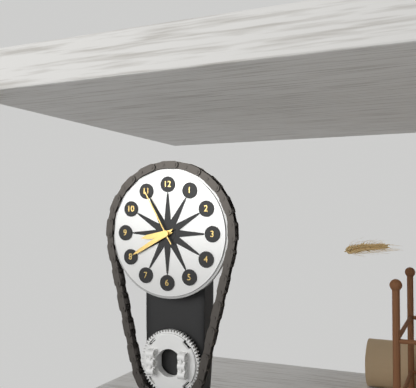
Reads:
h=8 m=40 s=55
